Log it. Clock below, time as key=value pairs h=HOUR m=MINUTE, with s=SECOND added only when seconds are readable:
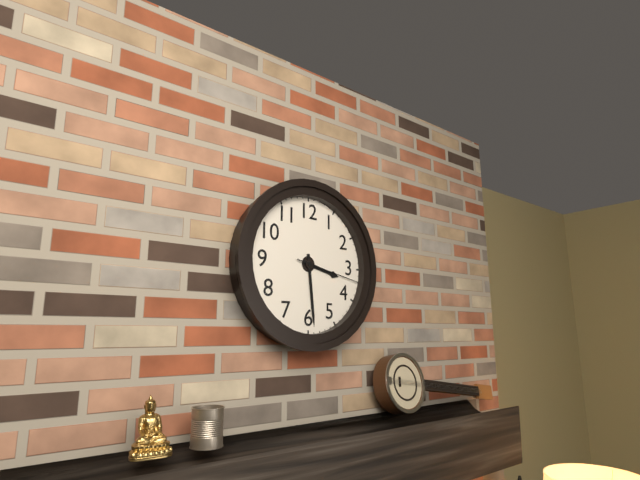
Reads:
h=3 m=29 s=17
